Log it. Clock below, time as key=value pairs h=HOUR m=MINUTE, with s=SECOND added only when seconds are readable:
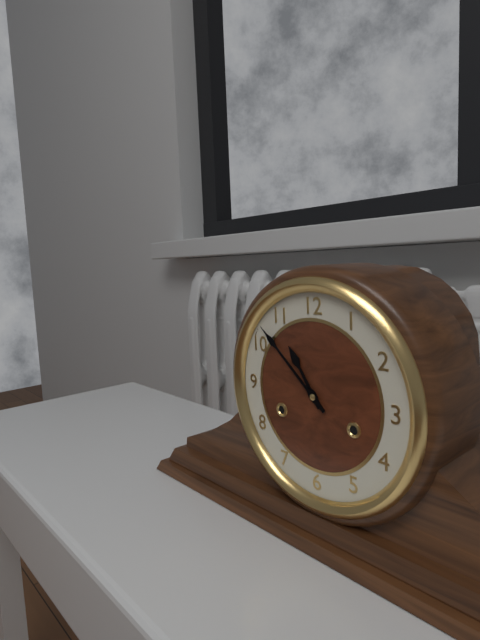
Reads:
h=10 m=52
